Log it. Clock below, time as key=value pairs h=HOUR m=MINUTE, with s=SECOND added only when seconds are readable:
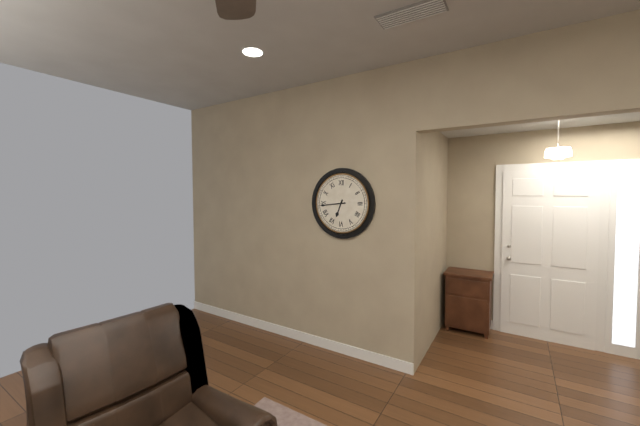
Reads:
h=6 m=44
